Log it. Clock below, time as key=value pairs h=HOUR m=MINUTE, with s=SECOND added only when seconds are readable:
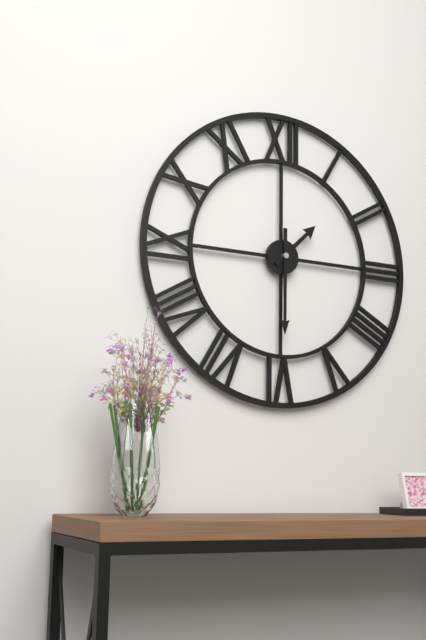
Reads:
h=1 m=30
